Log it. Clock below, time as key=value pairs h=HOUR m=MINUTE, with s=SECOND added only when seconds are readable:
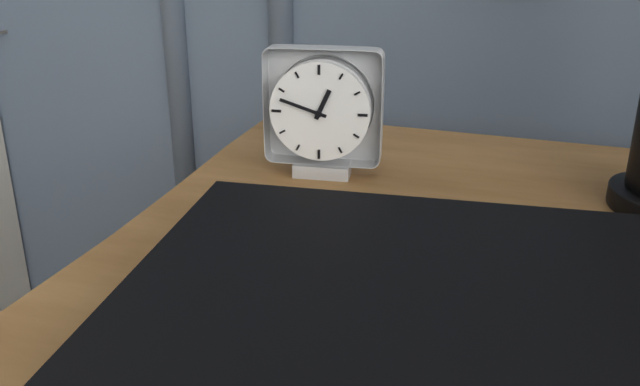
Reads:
h=12 m=48
